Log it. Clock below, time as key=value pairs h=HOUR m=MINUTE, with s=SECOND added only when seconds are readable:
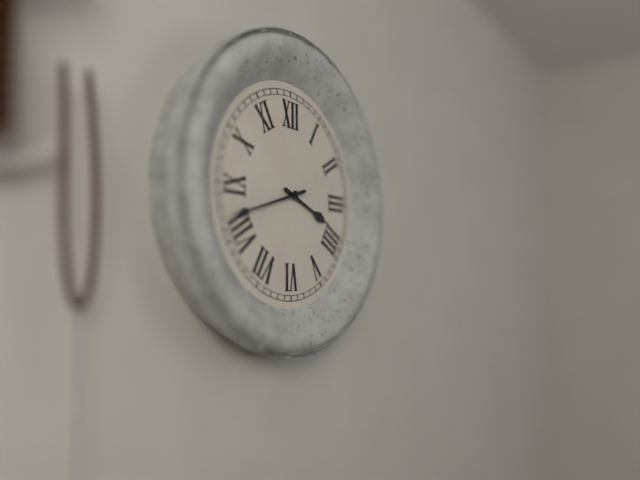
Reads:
h=3 m=42
